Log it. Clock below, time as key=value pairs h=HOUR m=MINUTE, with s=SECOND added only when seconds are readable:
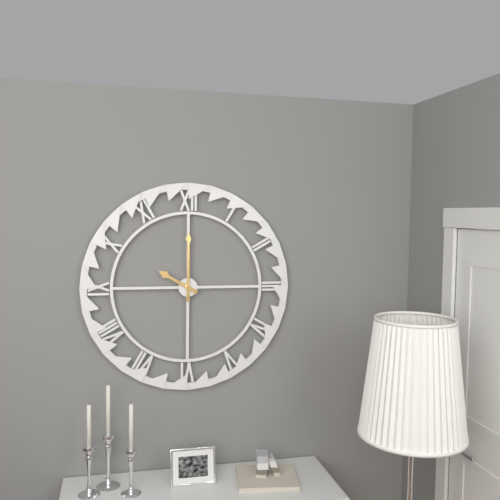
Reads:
h=10 m=0
